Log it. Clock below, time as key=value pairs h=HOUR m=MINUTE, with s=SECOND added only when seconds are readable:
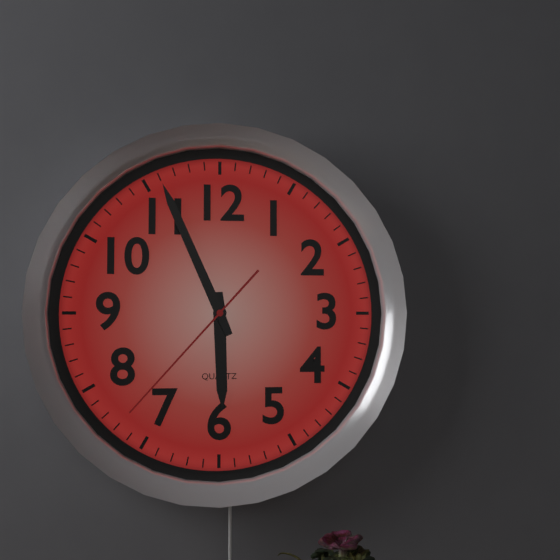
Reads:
h=5 m=56 s=37
